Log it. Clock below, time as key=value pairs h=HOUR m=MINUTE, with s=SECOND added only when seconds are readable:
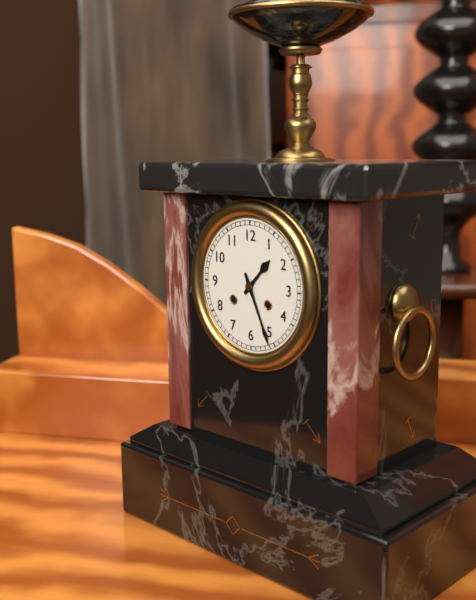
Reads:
h=1 m=26
